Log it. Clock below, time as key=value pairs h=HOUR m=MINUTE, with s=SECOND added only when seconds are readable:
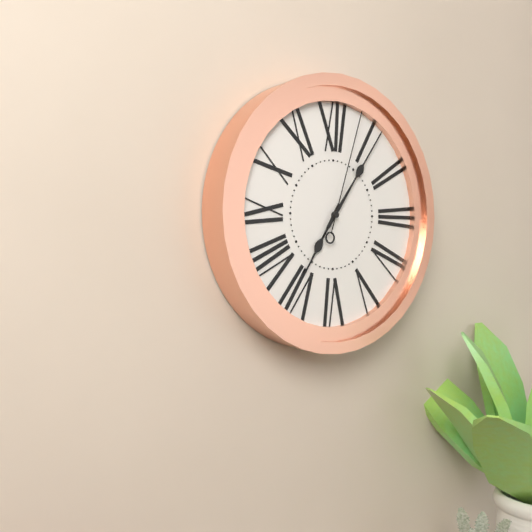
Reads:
h=7 m=6 s=3
